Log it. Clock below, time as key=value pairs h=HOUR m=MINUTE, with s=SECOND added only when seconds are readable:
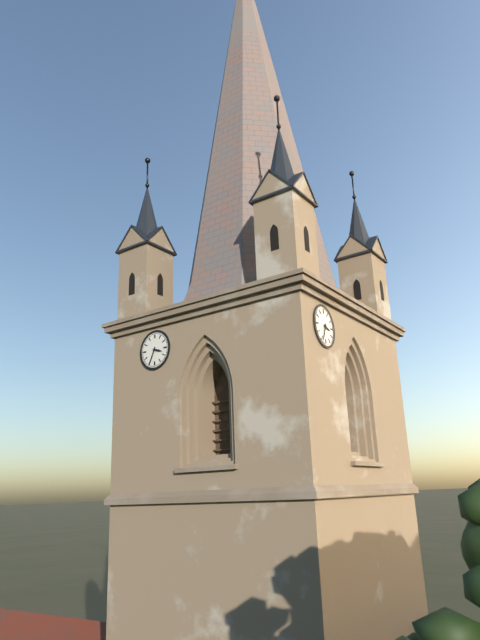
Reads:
h=3 m=34
